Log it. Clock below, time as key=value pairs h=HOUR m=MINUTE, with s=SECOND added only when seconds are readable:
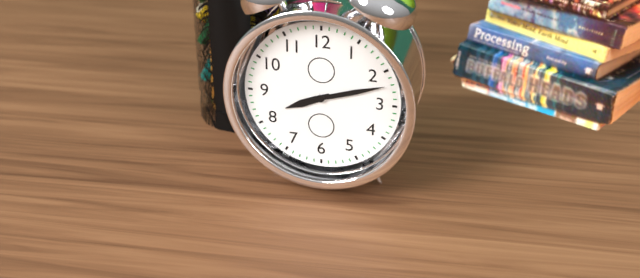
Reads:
h=8 m=12
